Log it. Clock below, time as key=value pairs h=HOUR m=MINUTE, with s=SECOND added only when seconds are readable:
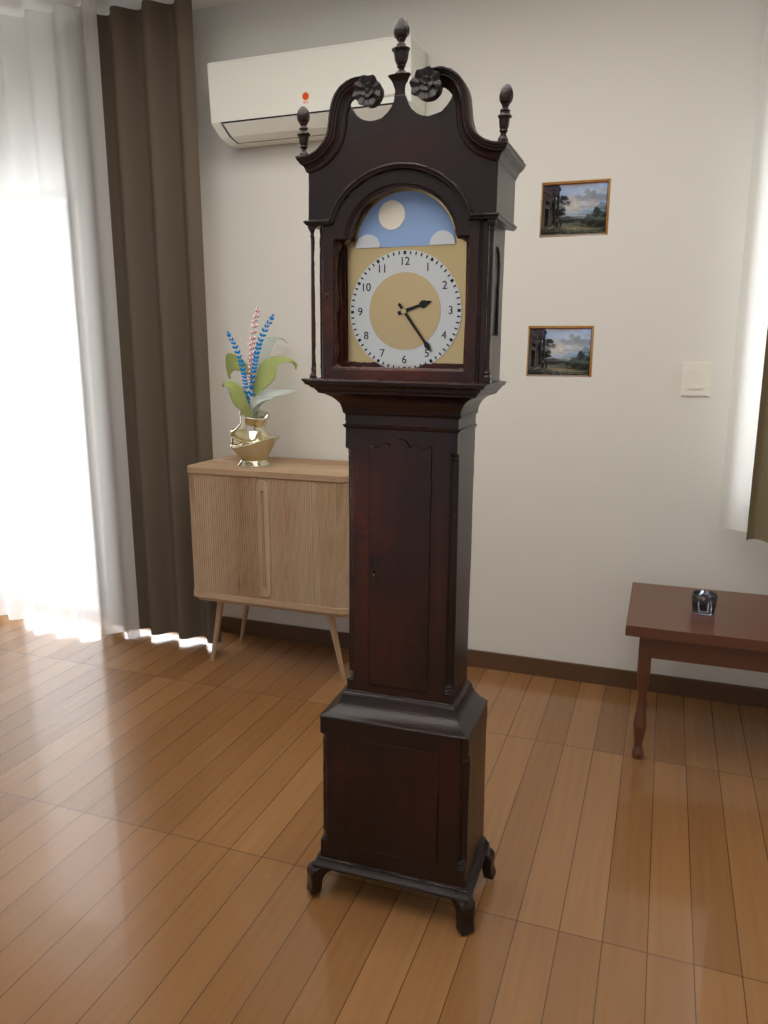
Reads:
h=2 m=24
